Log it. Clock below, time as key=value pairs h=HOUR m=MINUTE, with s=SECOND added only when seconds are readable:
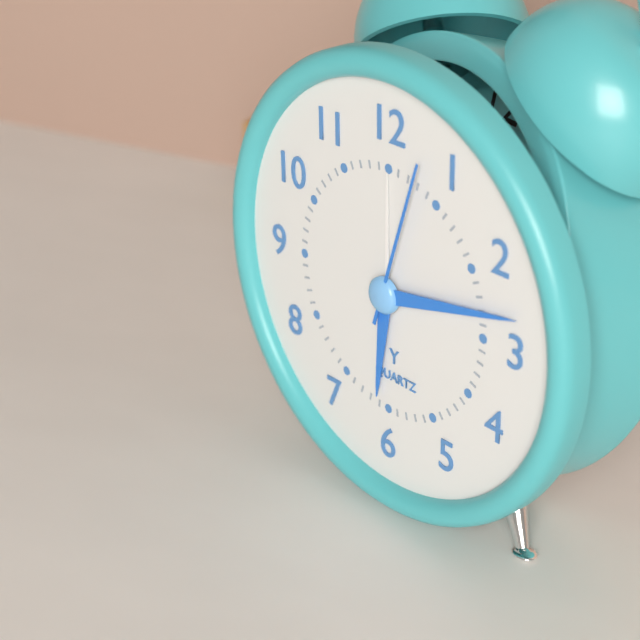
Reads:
h=6 m=13 s=3
